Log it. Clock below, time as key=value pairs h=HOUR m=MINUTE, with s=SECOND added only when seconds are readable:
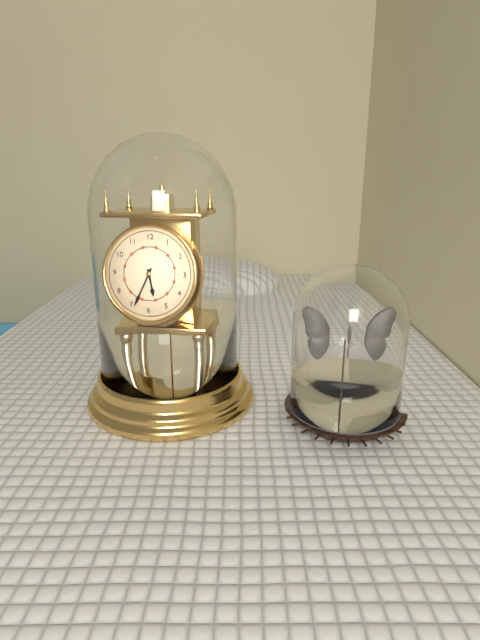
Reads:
h=5 m=34
